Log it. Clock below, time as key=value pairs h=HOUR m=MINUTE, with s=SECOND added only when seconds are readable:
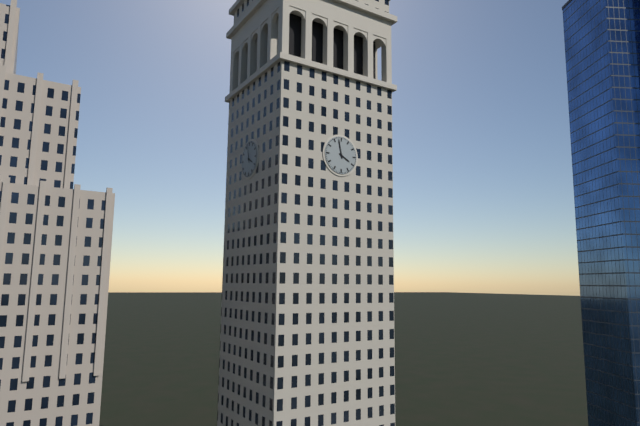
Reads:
h=3 m=58
